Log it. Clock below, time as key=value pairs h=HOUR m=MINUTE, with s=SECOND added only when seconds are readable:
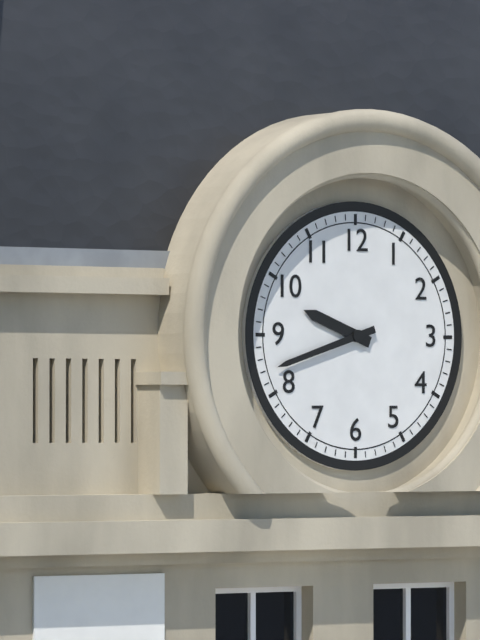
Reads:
h=9 m=42
